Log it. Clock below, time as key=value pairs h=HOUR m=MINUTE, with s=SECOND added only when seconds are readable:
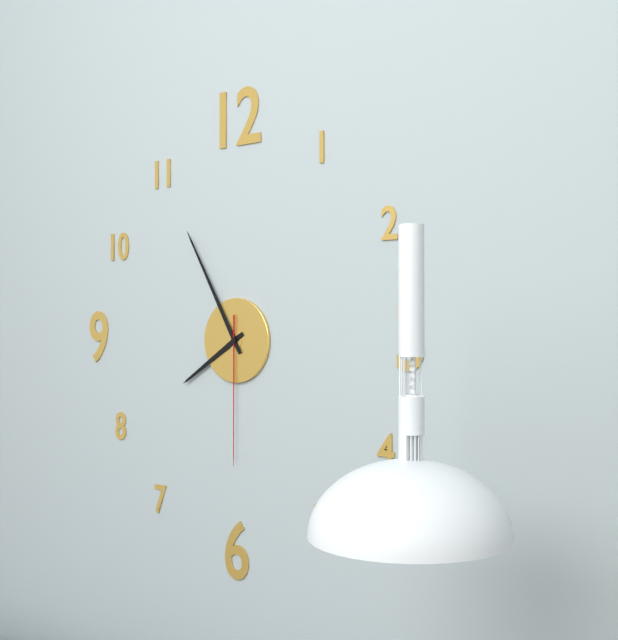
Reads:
h=7 m=55 s=30
